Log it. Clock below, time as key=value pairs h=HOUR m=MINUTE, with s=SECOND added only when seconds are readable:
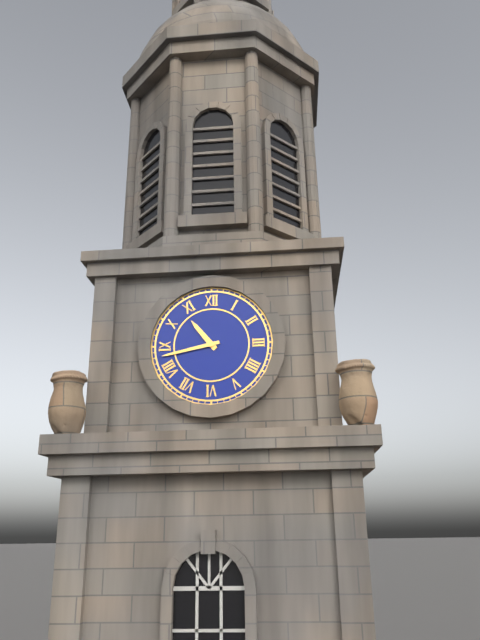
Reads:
h=10 m=43
